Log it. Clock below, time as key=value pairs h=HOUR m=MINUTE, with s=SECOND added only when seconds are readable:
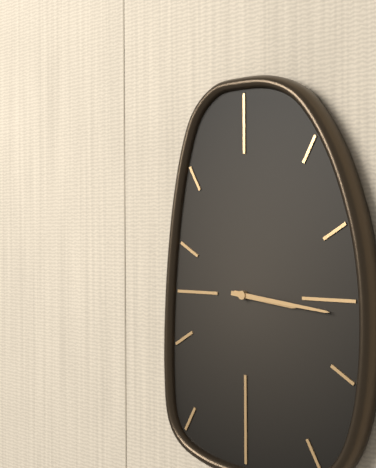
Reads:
h=3 m=16
